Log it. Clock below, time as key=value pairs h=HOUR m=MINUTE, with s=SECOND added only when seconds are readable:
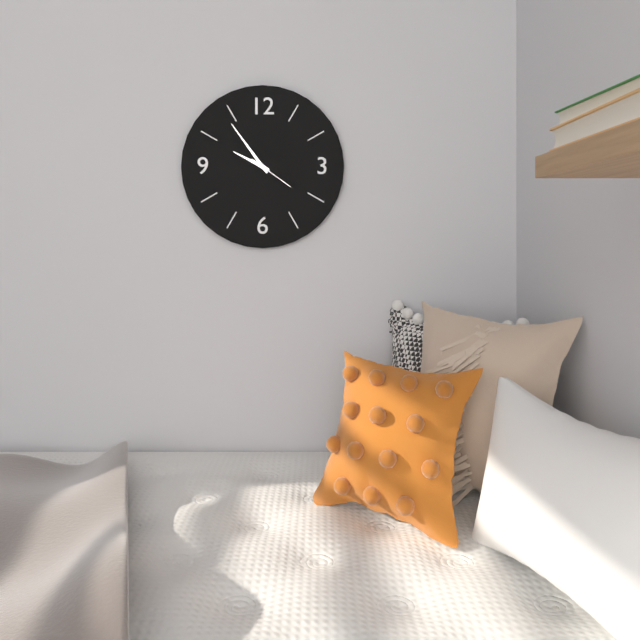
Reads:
h=9 m=54
